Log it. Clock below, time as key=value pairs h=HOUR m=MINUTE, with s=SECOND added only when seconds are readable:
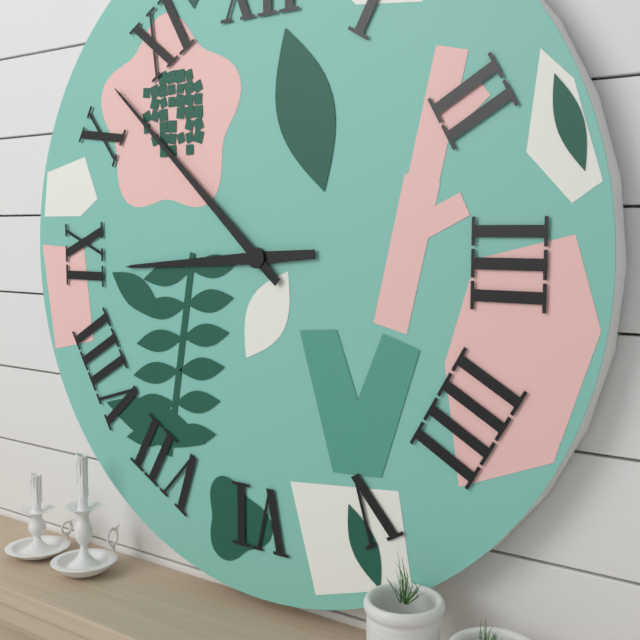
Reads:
h=8 m=52
